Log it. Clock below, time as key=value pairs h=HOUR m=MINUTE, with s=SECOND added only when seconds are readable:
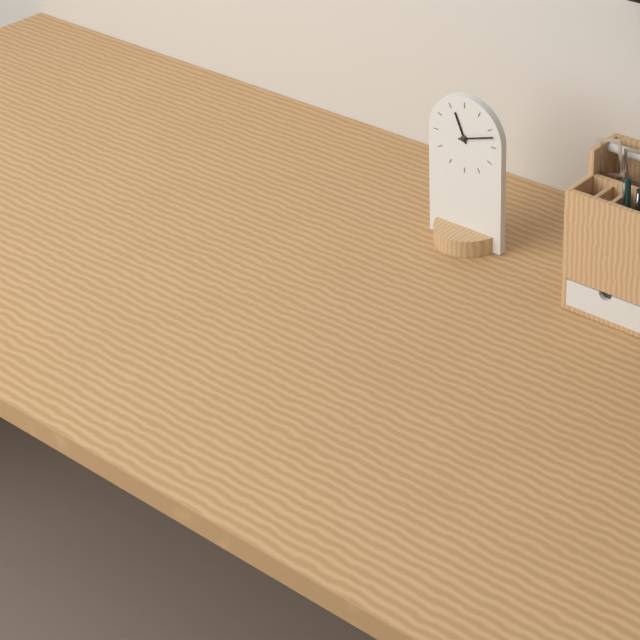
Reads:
h=11 m=12
